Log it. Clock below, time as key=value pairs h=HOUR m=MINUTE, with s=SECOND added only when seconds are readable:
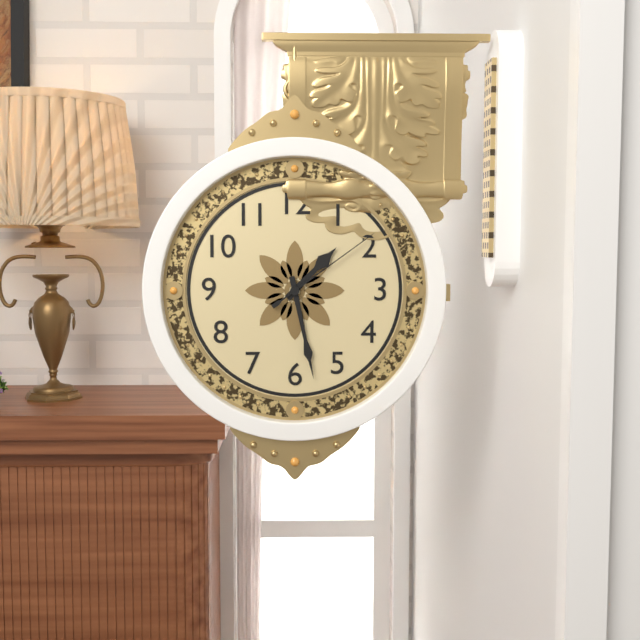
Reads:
h=1 m=28 s=9
